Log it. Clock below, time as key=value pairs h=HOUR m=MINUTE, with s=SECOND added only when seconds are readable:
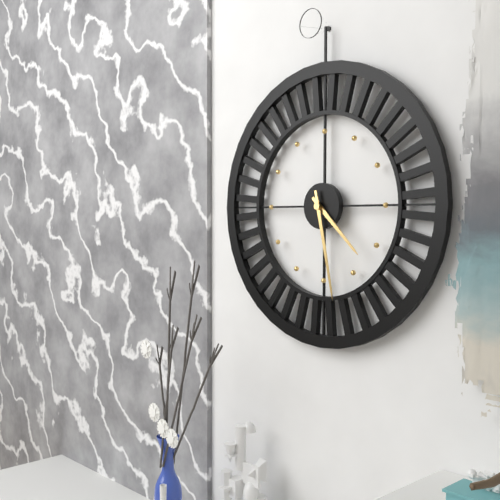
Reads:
h=4 m=28
